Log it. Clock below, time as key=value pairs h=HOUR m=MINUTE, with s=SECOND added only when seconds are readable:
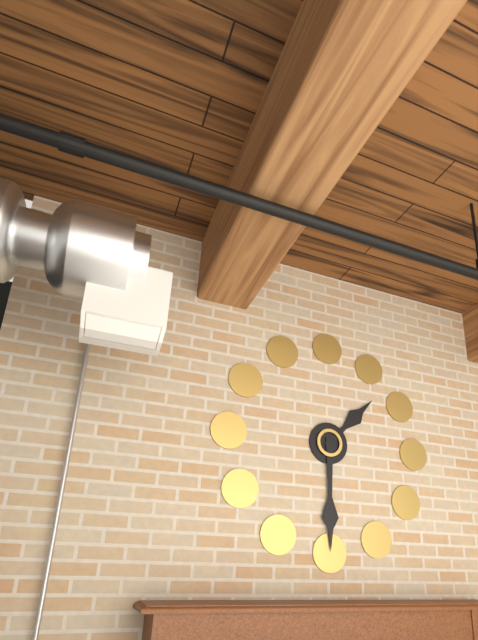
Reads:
h=1 m=30
